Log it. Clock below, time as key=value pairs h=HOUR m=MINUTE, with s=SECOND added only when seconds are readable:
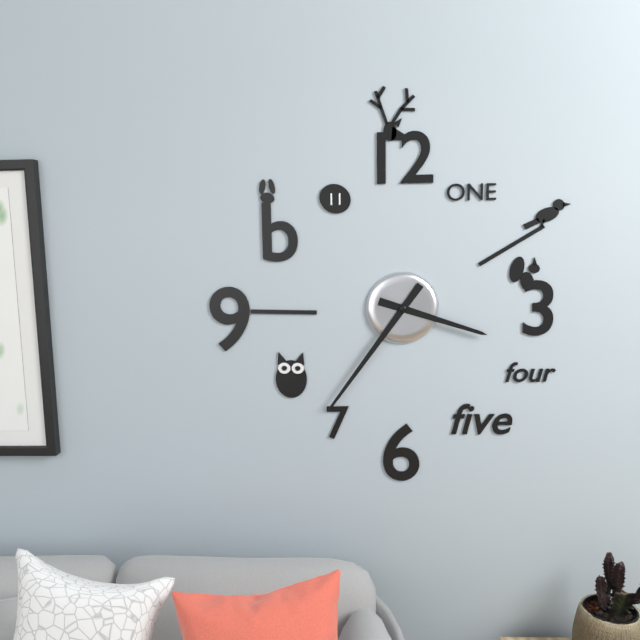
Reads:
h=3 m=36
